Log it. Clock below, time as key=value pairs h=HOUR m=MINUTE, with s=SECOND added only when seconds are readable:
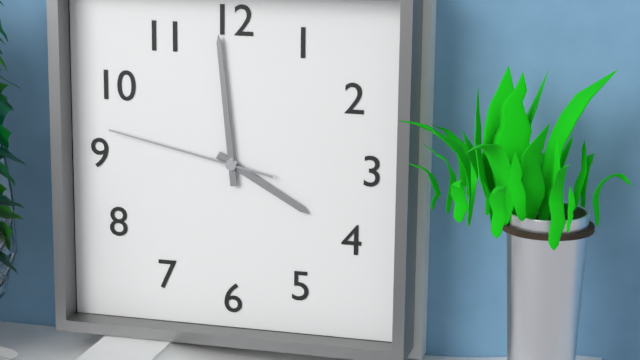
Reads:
h=3 m=59 s=47
